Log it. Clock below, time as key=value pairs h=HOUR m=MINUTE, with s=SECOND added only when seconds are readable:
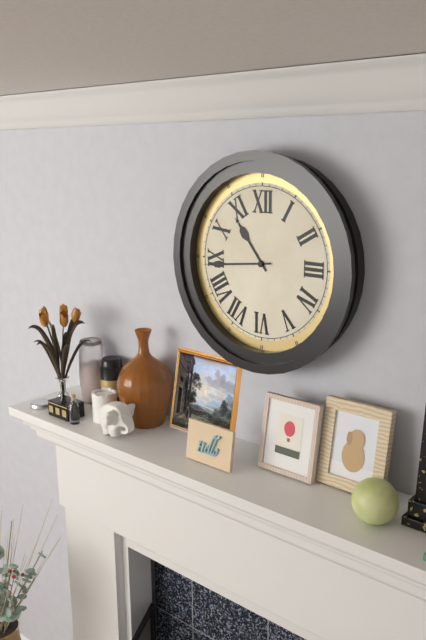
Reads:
h=10 m=44
